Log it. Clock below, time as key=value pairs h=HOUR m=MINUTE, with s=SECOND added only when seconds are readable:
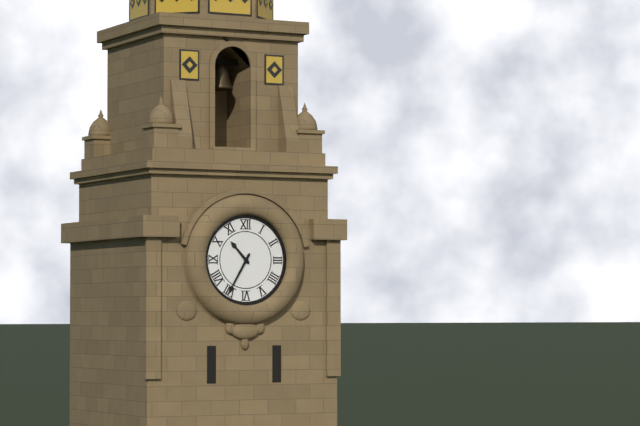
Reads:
h=10 m=35
